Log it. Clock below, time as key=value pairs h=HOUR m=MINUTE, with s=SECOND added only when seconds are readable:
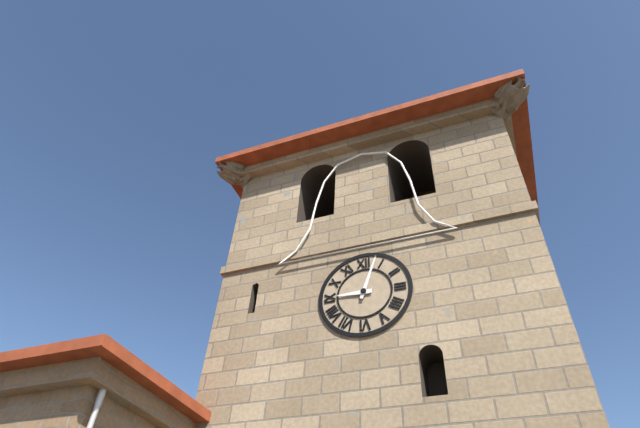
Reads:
h=9 m=3
